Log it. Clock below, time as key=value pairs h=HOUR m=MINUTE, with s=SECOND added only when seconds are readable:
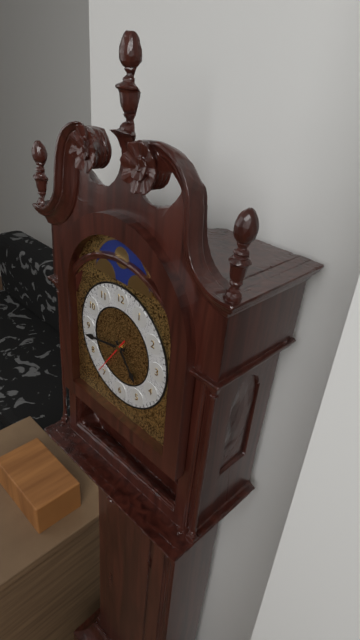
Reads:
h=4 m=43
